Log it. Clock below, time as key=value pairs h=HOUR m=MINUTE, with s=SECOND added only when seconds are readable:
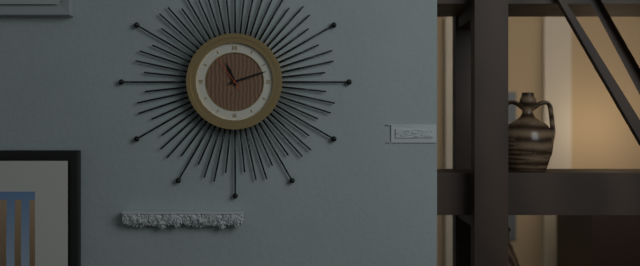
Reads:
h=11 m=12
